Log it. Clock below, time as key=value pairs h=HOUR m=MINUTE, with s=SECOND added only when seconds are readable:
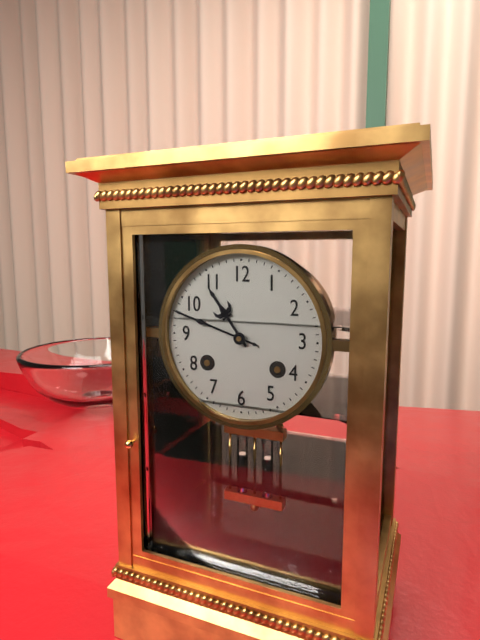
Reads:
h=10 m=48
